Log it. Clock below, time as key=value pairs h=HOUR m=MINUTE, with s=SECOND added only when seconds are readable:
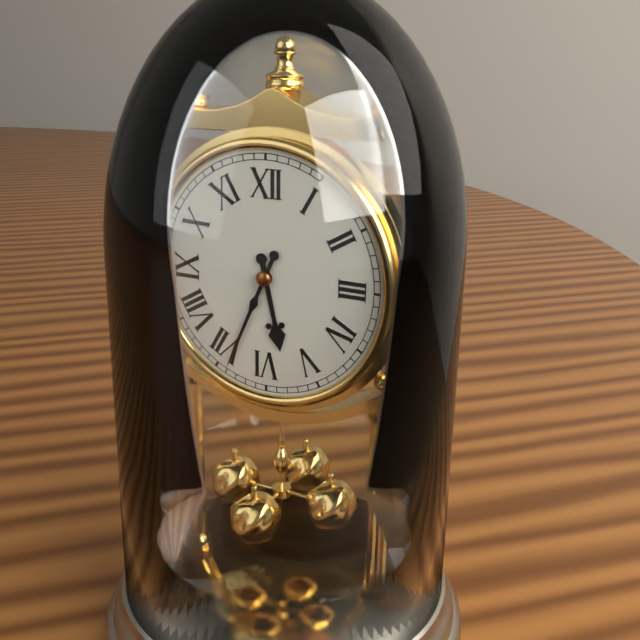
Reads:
h=5 m=34
